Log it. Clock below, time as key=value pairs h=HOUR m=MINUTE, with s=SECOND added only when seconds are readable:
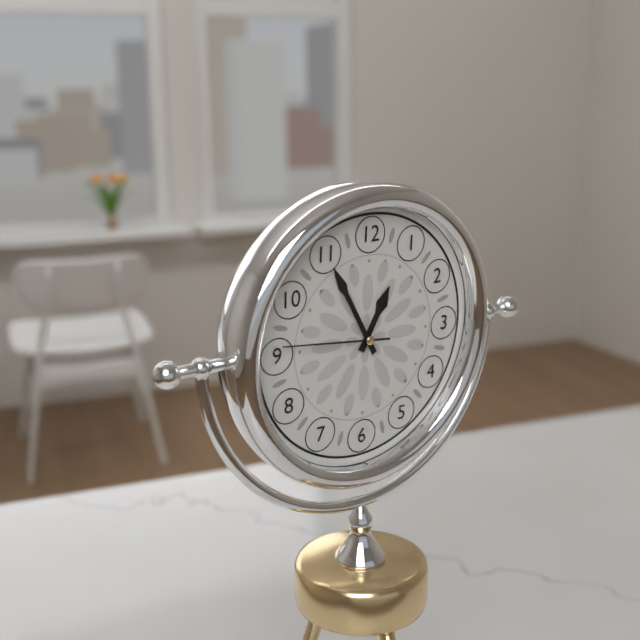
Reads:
h=12 m=55 s=46
